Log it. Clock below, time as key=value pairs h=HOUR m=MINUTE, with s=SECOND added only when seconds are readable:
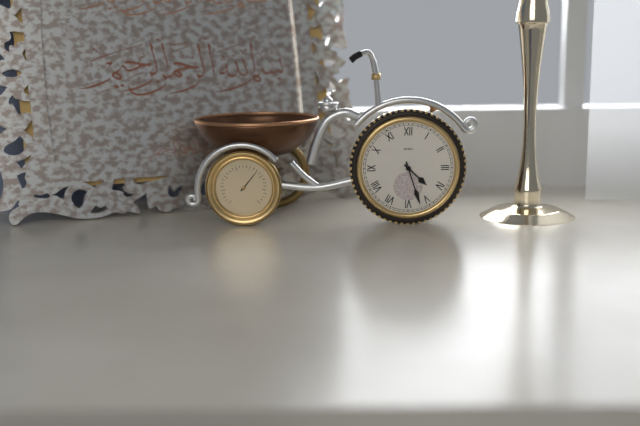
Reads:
h=4 m=27
